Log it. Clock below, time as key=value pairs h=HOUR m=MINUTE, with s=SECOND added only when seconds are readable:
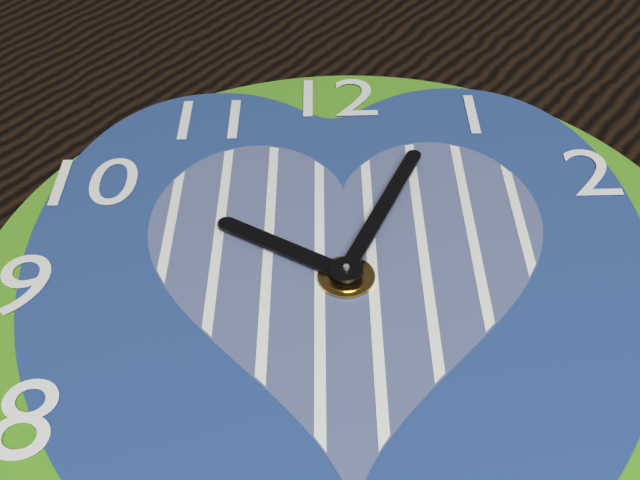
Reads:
h=10 m=4
